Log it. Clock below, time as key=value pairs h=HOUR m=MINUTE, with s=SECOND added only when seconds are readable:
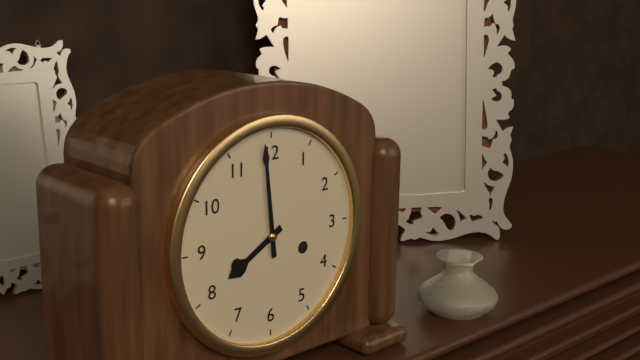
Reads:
h=7 m=59
